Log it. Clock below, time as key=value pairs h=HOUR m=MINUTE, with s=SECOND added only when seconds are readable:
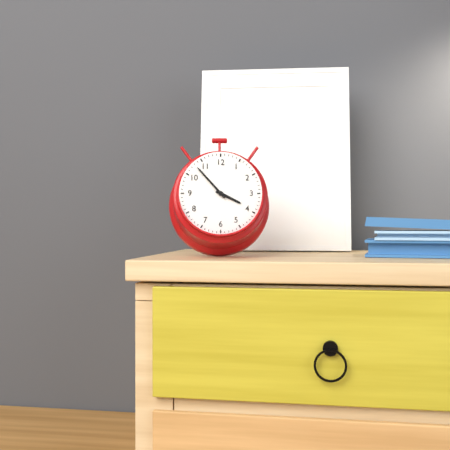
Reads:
h=3 m=53
